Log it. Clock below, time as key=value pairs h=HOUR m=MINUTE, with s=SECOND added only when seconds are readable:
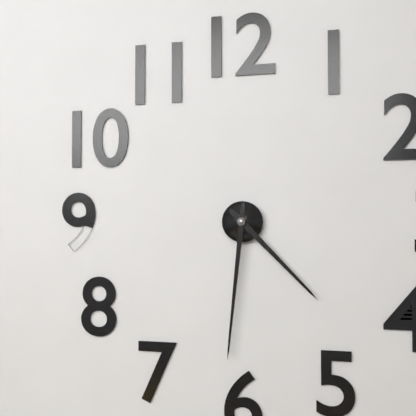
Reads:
h=4 m=31
